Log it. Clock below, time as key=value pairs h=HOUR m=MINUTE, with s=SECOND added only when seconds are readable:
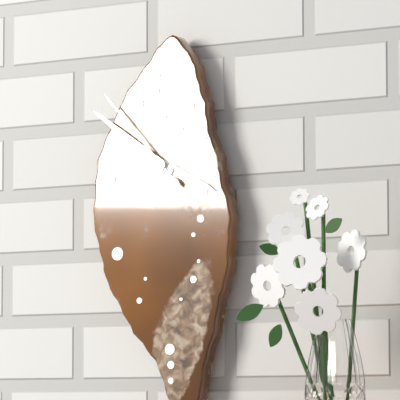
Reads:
h=3 m=51 s=53
